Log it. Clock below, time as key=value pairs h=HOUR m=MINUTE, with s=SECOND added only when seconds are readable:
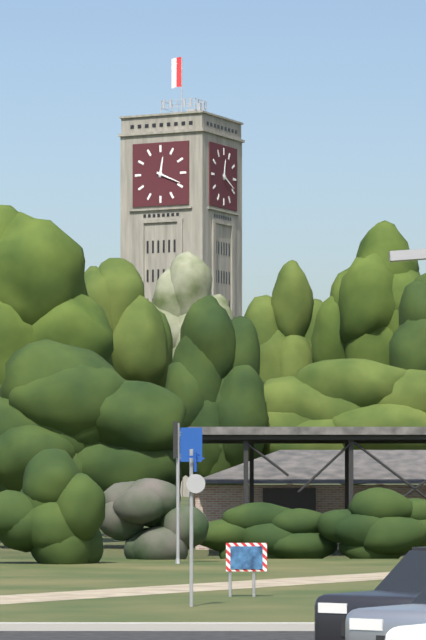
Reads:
h=12 m=19
